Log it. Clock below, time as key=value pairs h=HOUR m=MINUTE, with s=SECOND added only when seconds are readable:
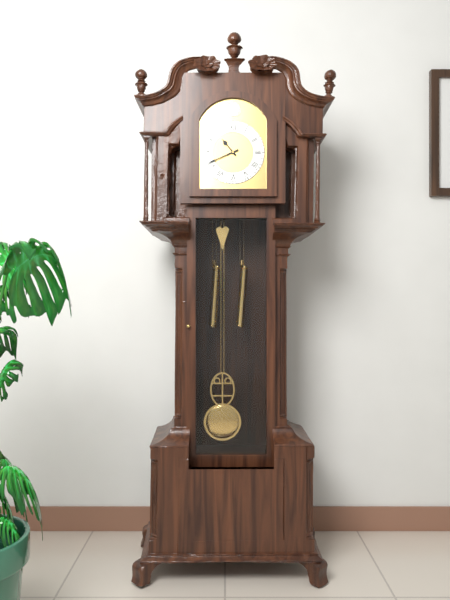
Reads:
h=10 m=41
